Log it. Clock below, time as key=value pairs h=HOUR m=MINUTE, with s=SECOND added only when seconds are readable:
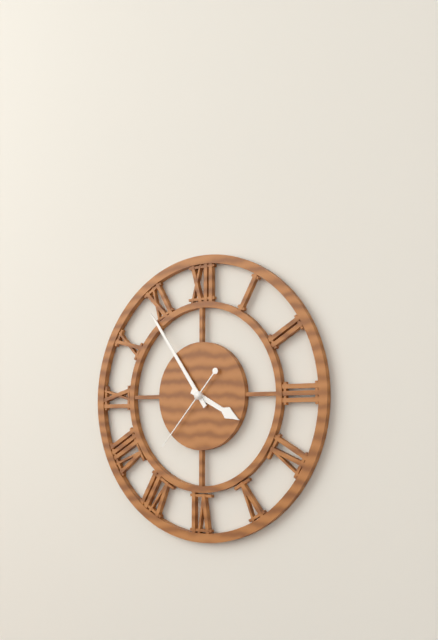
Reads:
h=3 m=54 s=37
